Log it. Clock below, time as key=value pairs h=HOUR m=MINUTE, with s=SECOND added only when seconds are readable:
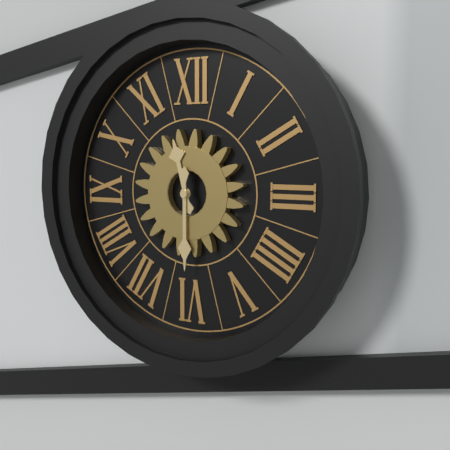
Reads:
h=11 m=30
